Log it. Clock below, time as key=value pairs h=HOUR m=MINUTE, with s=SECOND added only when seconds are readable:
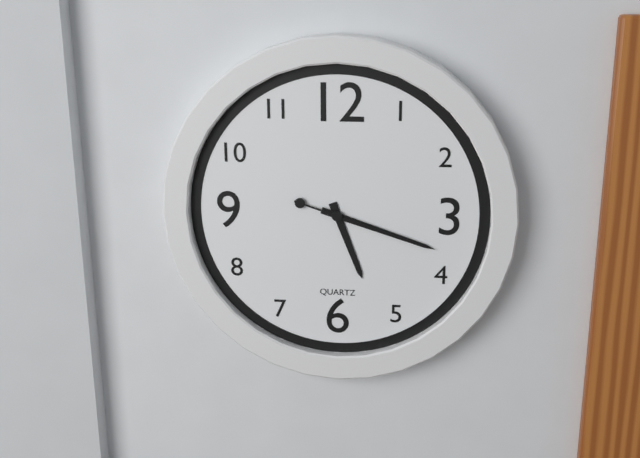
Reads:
h=5 m=18 s=18
